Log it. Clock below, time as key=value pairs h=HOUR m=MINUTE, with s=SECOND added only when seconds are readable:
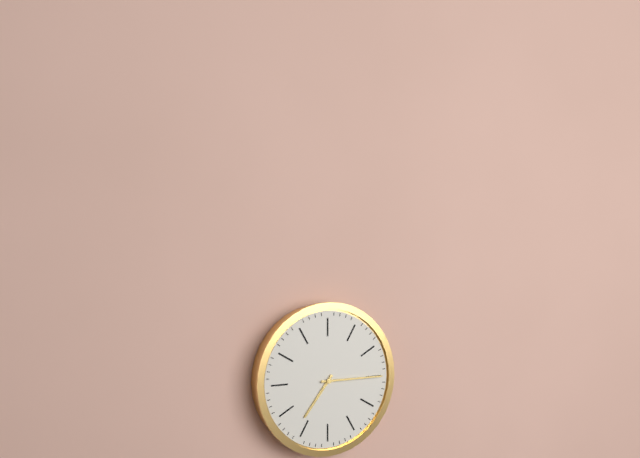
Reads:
h=7 m=15
